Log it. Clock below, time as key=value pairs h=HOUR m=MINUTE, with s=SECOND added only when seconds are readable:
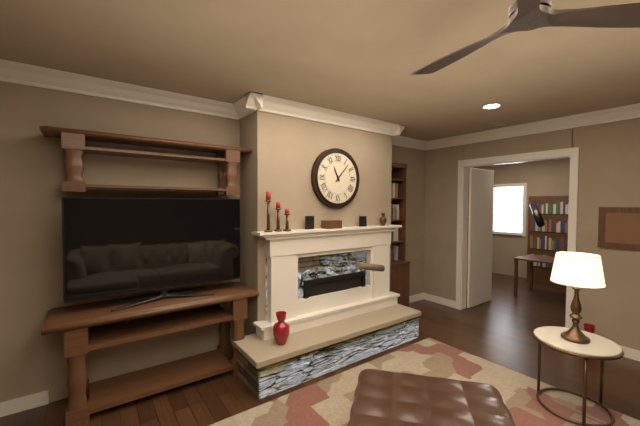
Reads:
h=11 m=7
